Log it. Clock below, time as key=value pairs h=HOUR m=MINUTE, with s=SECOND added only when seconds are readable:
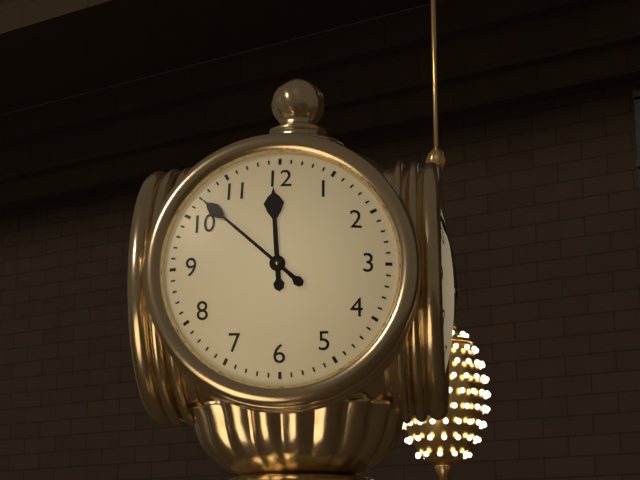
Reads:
h=11 m=52
